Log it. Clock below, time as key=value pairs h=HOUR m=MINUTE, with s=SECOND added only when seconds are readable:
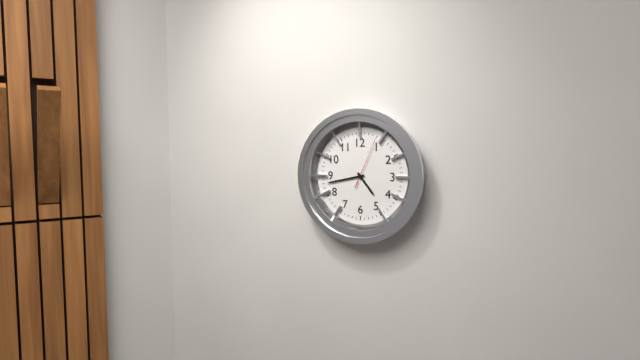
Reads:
h=4 m=43 s=4
